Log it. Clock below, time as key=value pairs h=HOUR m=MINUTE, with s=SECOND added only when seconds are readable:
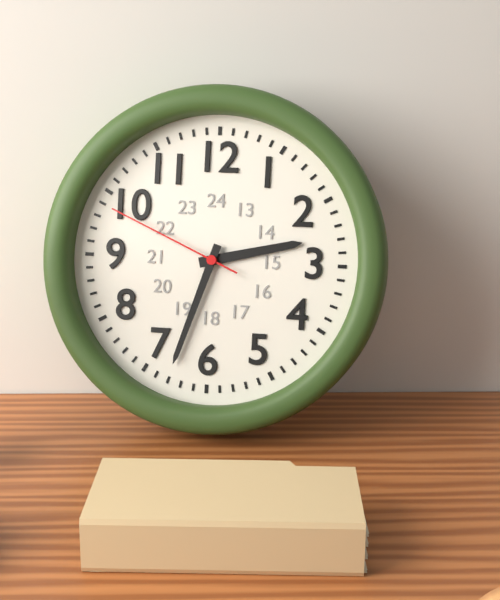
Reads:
h=2 m=33 s=49
